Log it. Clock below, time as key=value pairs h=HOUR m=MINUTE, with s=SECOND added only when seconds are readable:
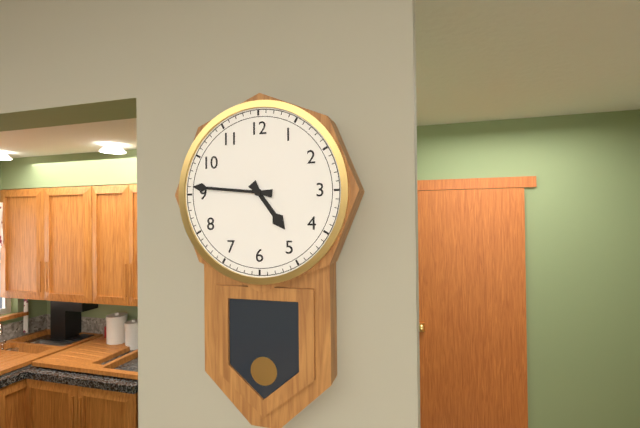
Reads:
h=4 m=46
